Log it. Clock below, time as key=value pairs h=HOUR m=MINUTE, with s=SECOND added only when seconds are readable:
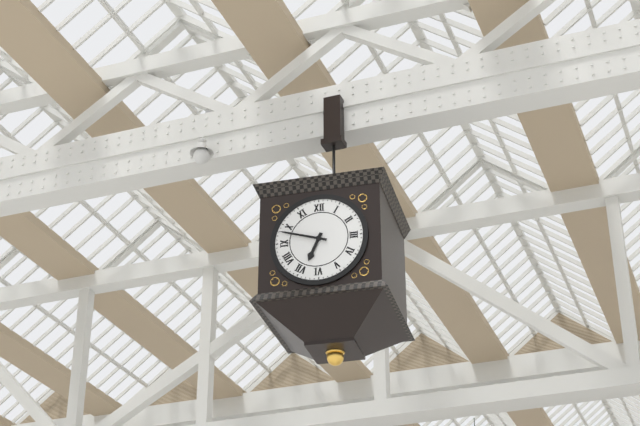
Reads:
h=6 m=48
